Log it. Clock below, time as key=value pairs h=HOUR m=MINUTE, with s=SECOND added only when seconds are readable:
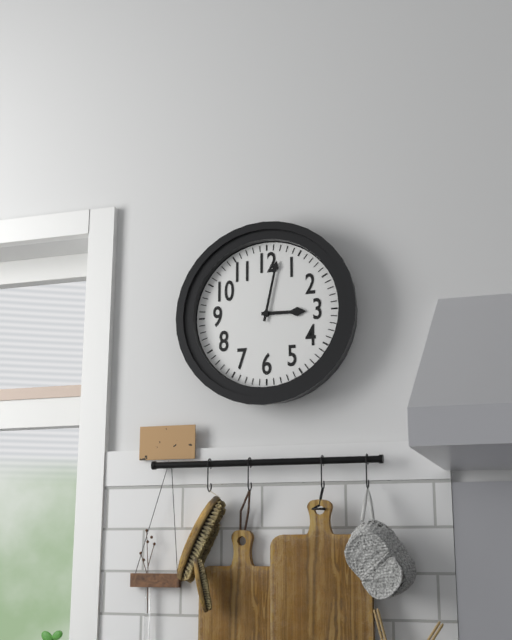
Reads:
h=3 m=2
